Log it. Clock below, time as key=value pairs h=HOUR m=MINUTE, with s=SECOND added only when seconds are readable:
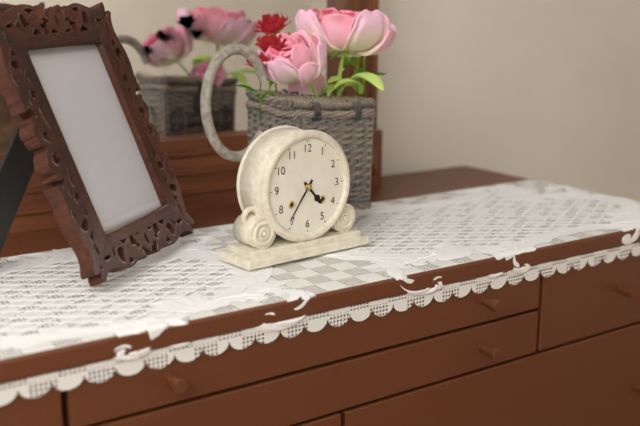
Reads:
h=4 m=36
